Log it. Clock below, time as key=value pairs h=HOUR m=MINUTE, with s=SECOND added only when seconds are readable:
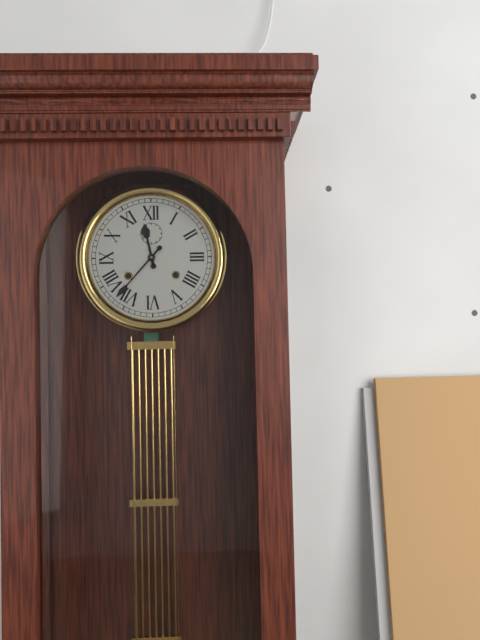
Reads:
h=11 m=37
